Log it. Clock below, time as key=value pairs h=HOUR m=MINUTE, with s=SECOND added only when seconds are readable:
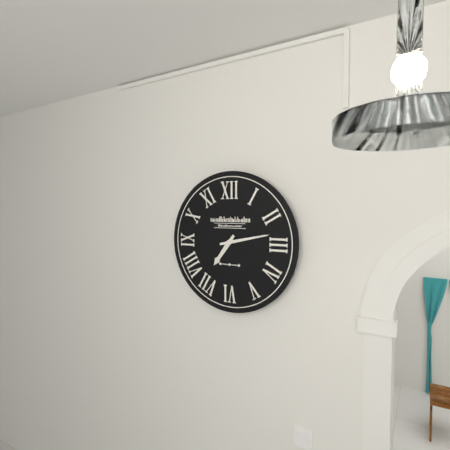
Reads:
h=7 m=13
